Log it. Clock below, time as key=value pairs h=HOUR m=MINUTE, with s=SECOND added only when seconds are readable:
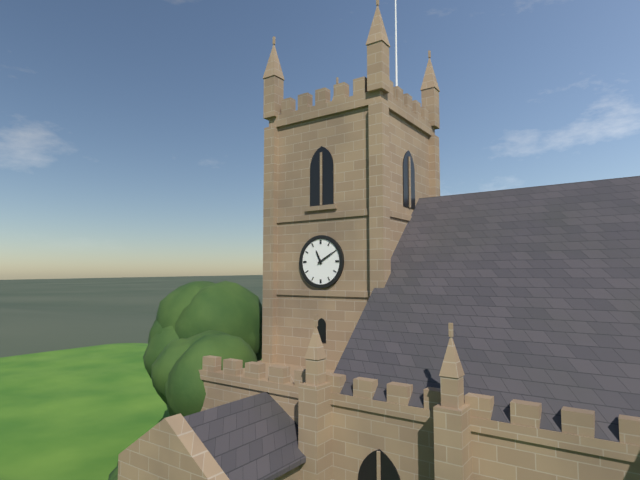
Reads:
h=11 m=10
